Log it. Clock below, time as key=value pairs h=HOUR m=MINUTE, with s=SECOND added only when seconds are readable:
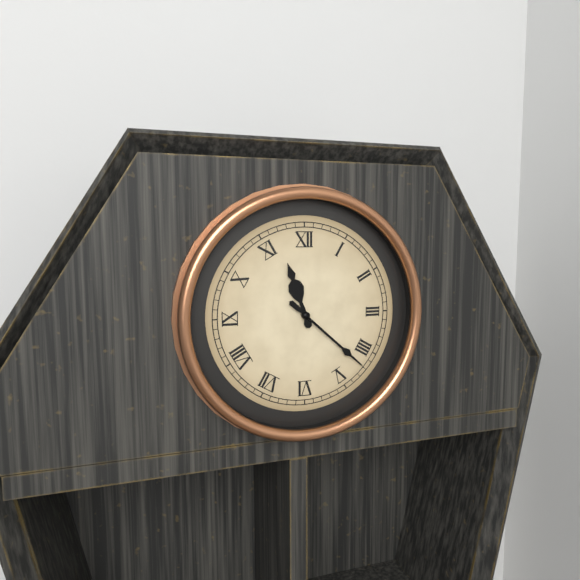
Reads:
h=11 m=22
